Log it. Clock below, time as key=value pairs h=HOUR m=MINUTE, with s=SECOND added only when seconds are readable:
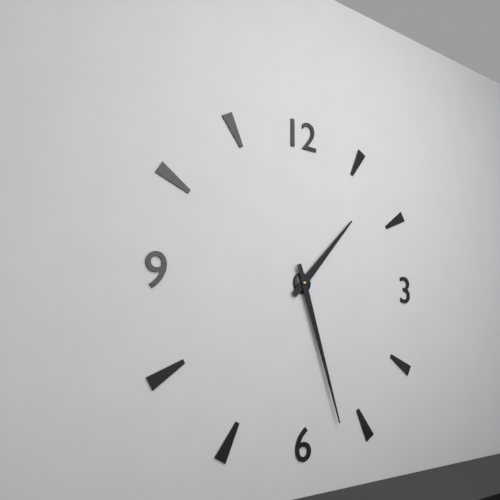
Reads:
h=1 m=27
